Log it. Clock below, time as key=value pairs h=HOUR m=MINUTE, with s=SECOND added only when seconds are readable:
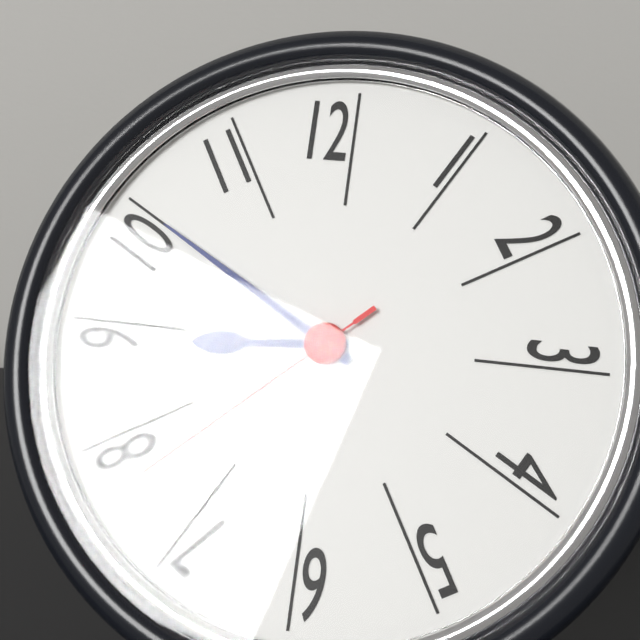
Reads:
h=8 m=50 s=38
